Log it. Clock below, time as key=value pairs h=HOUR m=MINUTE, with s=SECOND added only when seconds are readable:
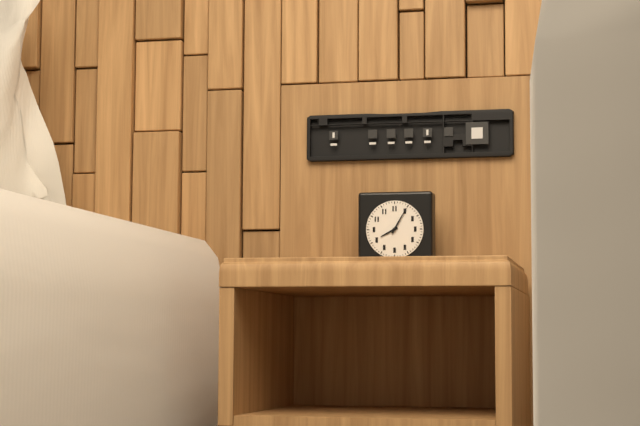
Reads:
h=8 m=5
